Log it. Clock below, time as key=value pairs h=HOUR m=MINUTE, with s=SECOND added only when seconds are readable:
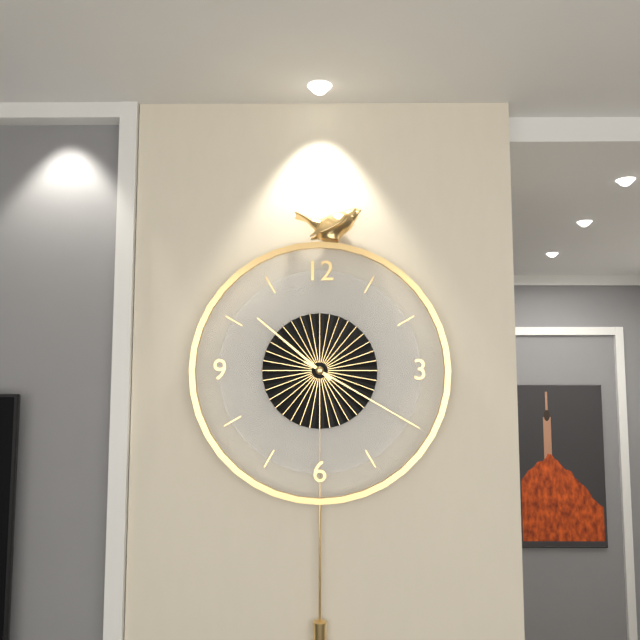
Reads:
h=10 m=20
